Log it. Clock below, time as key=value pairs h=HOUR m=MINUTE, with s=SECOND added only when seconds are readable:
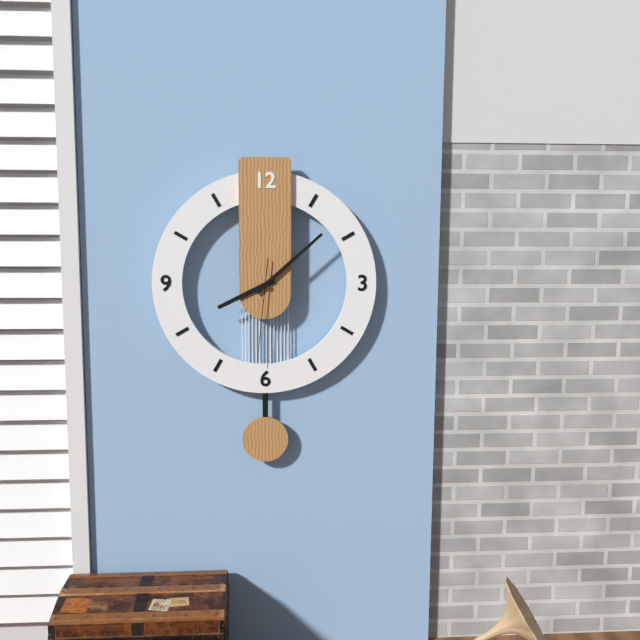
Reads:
h=8 m=8 s=31
